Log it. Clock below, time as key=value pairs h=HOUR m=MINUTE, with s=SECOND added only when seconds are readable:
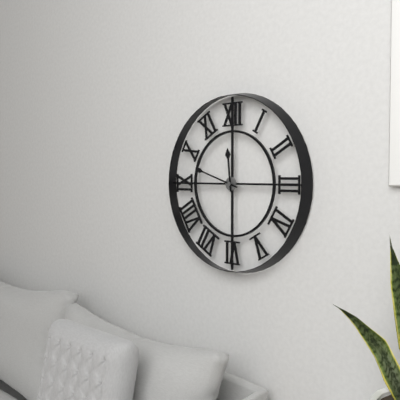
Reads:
h=11 m=48
